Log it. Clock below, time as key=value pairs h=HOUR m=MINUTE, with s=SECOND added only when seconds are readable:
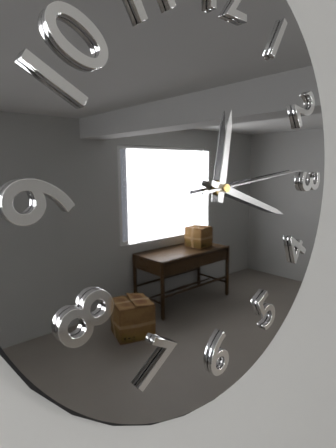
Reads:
h=12 m=18 s=14
